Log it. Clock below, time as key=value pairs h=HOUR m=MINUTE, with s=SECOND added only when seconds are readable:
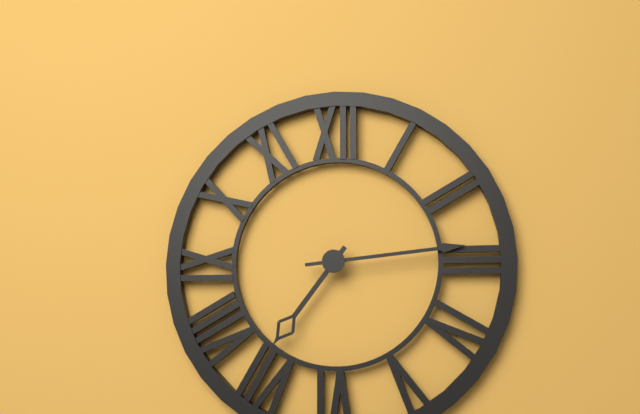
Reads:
h=7 m=14
